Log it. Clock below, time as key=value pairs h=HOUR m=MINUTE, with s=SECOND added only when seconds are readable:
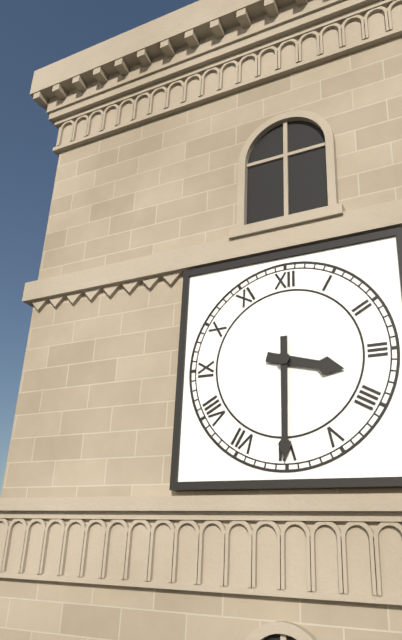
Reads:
h=3 m=30
